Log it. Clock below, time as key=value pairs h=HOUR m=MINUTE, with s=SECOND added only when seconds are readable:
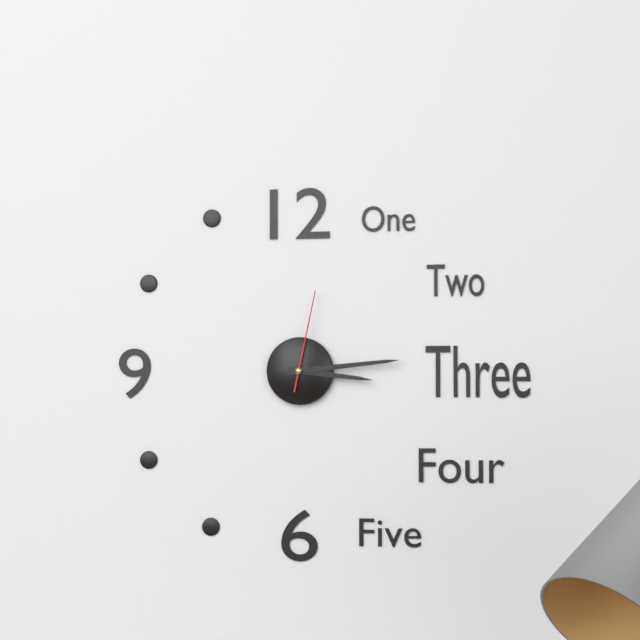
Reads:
h=3 m=14 s=2
